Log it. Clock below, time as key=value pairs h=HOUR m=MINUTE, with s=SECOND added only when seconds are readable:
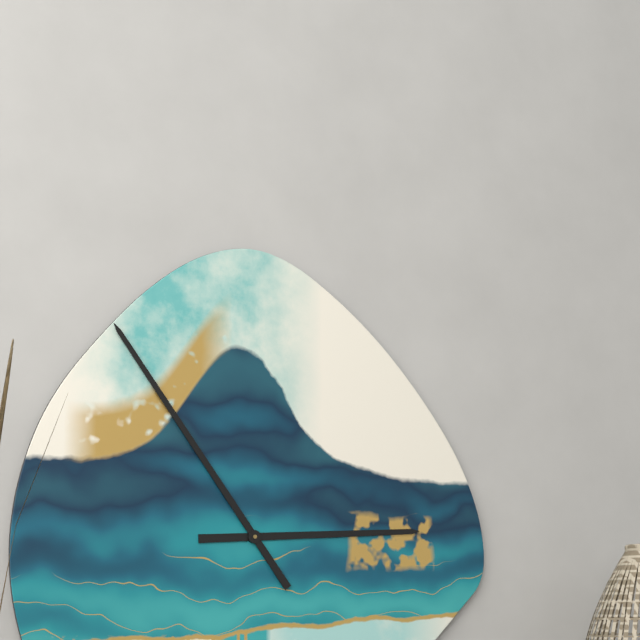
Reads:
h=2 m=54
